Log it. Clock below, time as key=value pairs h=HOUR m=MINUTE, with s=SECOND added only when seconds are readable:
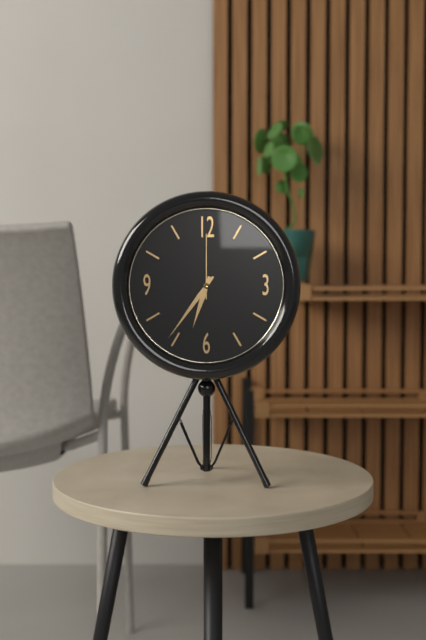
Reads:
h=6 m=36 s=0
